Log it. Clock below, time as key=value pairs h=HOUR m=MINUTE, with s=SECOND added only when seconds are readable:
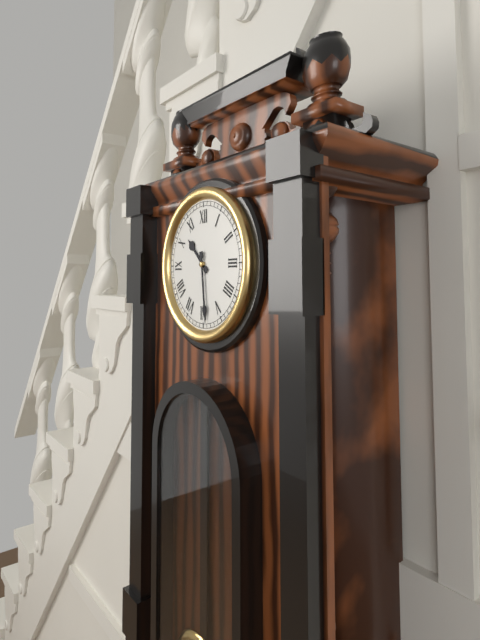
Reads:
h=10 m=29
